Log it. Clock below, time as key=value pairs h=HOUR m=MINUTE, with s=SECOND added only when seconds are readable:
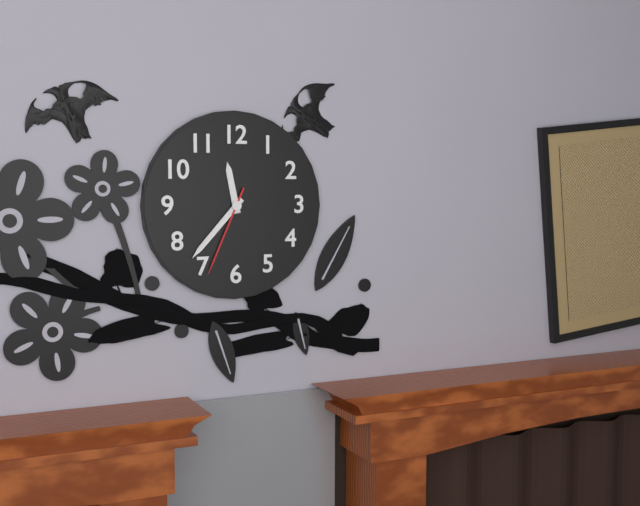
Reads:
h=11 m=37 s=34
